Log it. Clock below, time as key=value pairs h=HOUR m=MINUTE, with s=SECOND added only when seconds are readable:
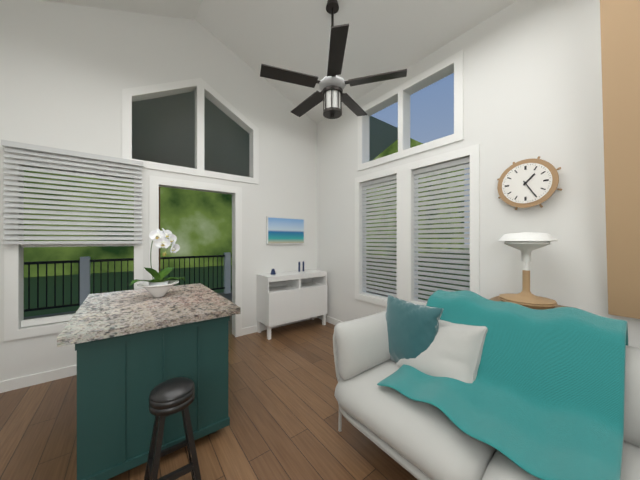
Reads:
h=1 m=25
